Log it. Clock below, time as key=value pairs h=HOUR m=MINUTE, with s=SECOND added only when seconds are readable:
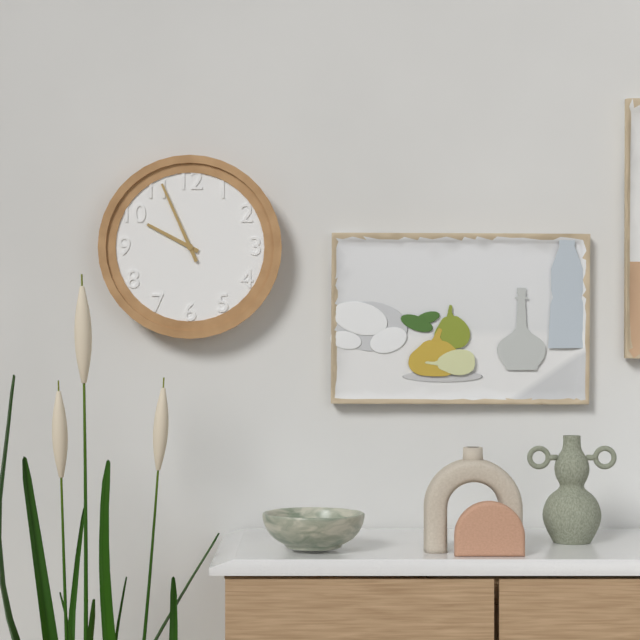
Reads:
h=9 m=56
